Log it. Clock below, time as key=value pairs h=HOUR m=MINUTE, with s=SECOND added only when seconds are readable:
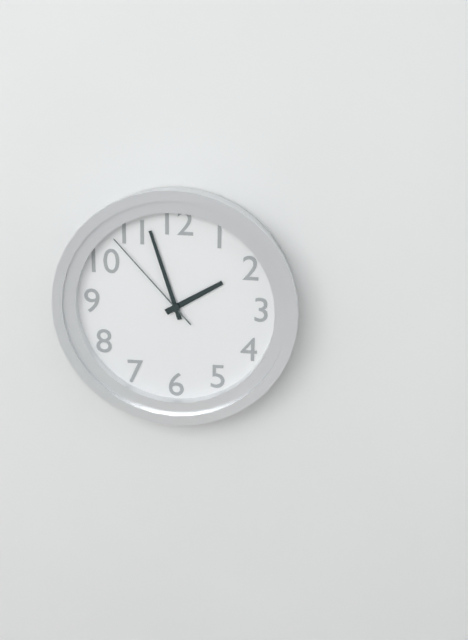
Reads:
h=1 m=57 s=53
